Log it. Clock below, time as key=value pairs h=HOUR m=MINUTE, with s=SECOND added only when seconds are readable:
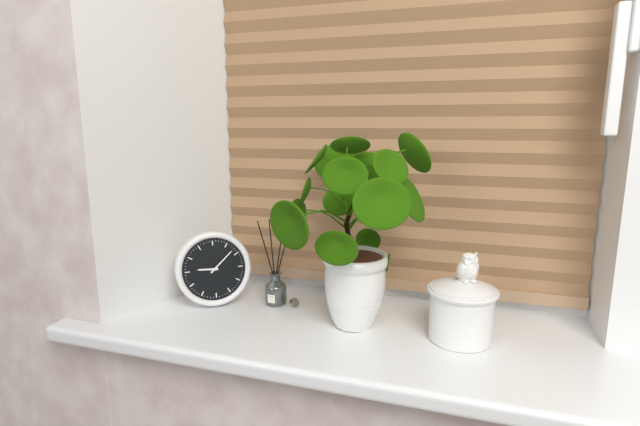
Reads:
h=9 m=8
